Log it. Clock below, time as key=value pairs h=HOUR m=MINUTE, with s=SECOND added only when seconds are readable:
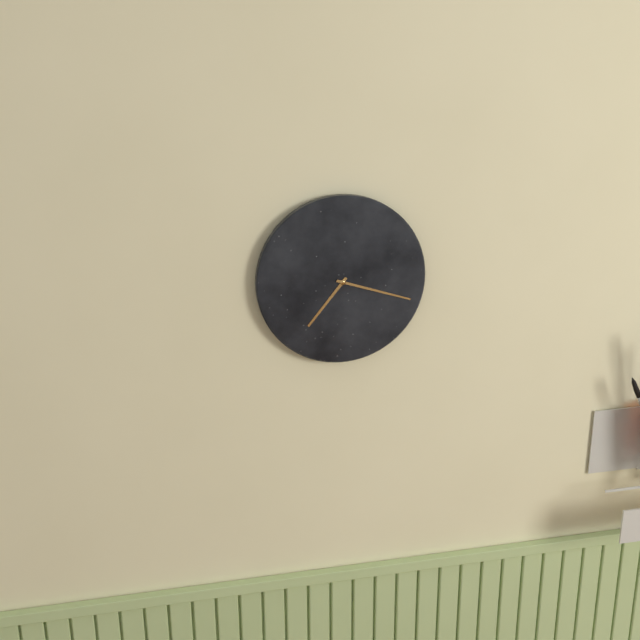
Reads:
h=7 m=18
